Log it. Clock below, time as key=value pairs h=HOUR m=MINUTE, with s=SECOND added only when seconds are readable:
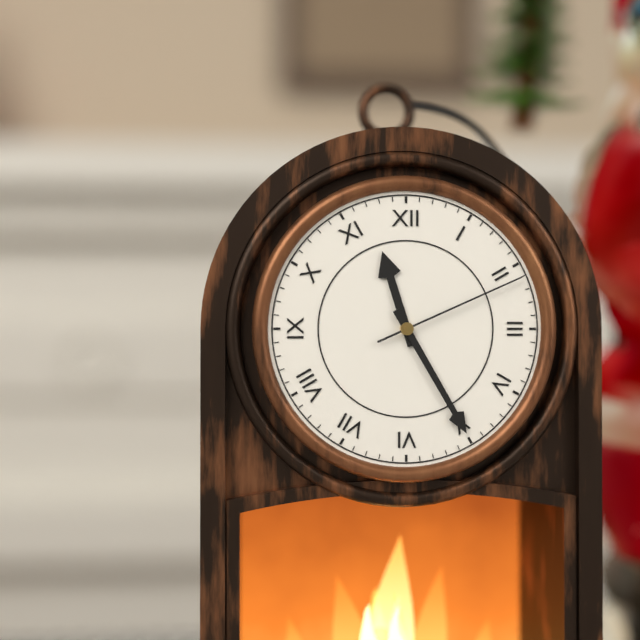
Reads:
h=11 m=25 s=11
